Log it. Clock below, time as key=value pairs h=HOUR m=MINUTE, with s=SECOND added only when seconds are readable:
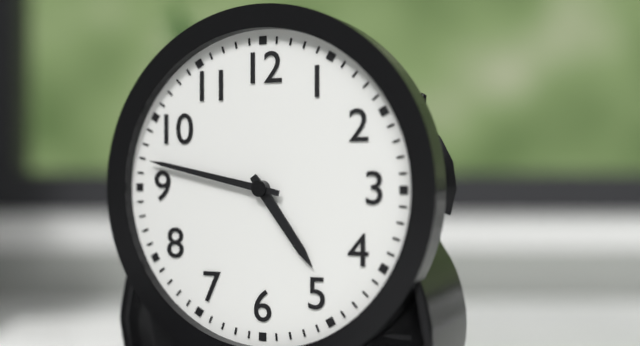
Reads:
h=4 m=47
